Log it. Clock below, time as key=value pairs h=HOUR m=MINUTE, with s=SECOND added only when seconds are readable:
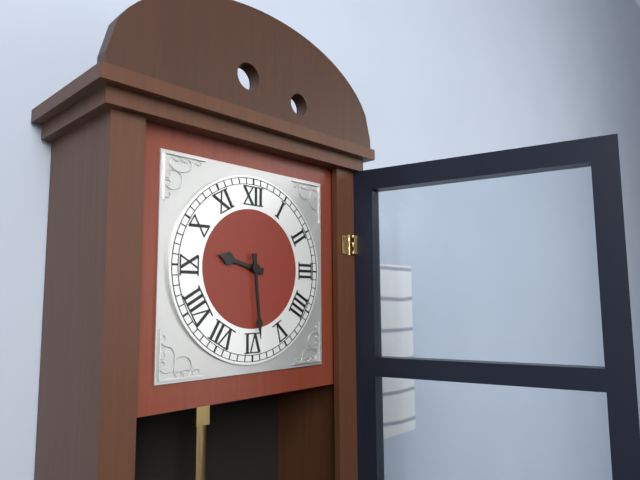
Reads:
h=9 m=29
